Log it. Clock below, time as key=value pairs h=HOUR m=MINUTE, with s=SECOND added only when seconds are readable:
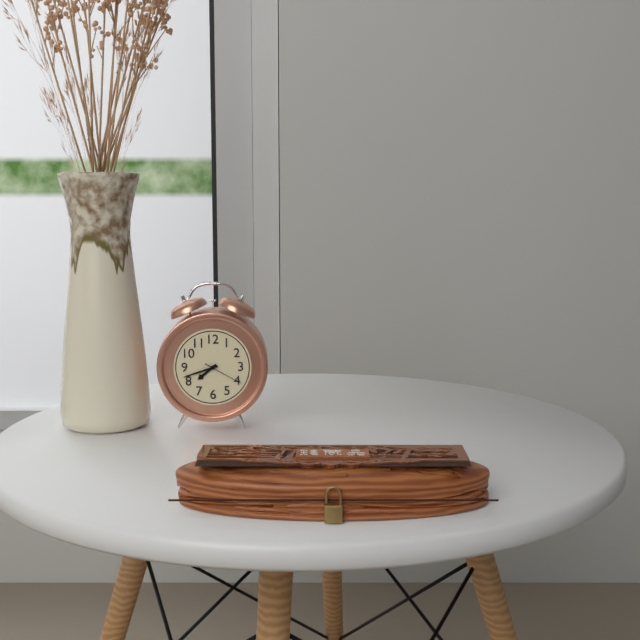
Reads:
h=7 m=42
